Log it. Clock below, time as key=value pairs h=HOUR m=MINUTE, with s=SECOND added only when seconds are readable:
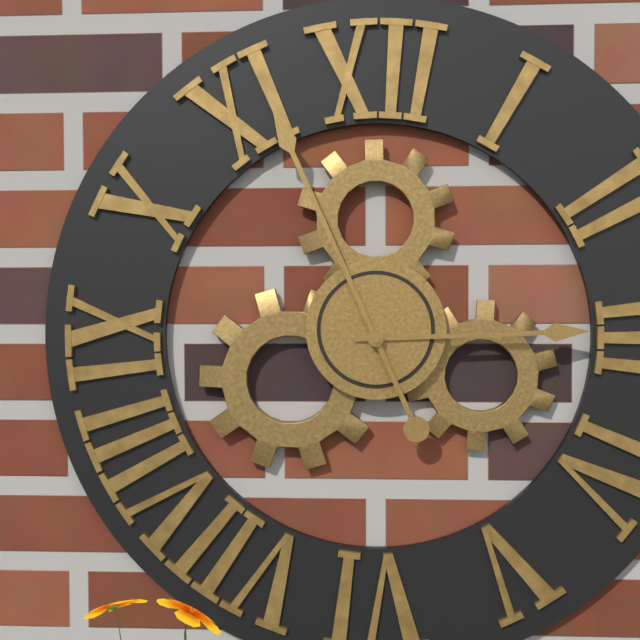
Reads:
h=2 m=56
